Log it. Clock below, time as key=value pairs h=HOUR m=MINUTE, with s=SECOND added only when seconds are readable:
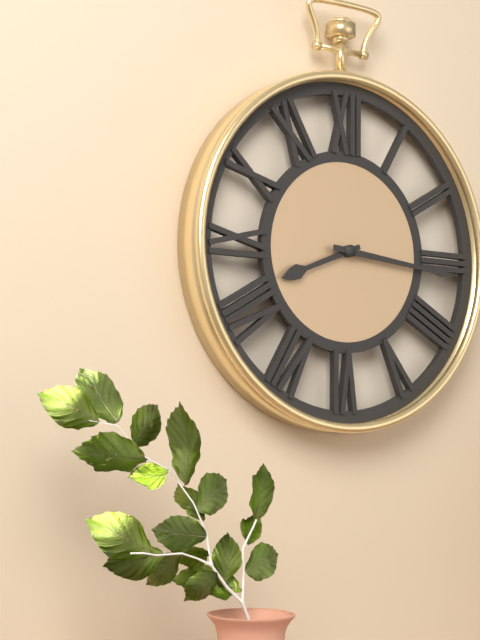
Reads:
h=8 m=16
